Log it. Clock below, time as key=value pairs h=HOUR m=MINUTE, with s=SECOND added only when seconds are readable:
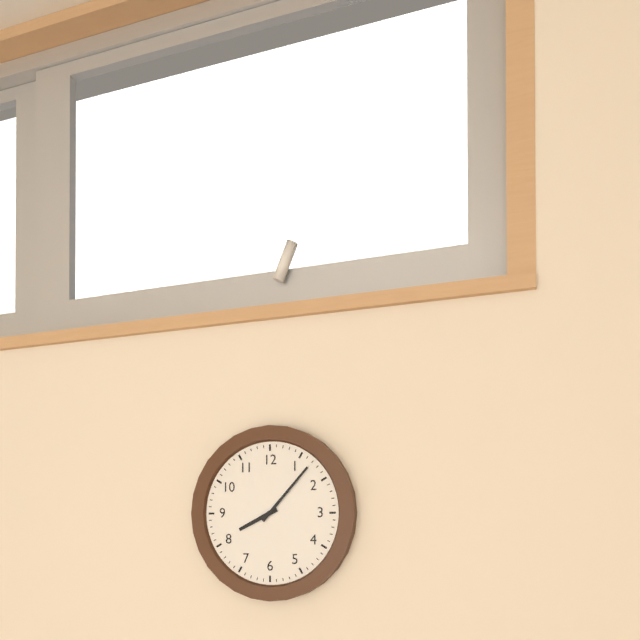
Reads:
h=8 m=7
